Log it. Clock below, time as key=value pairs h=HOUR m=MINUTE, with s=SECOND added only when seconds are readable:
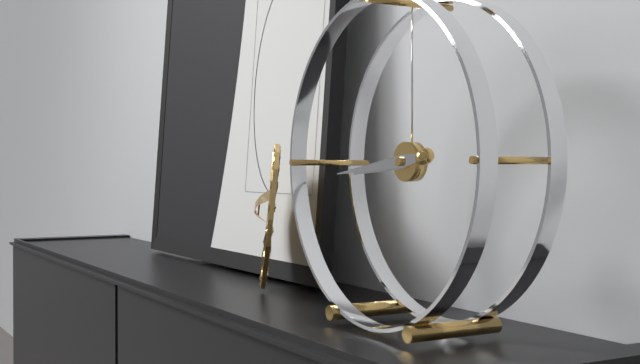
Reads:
h=8 m=44
